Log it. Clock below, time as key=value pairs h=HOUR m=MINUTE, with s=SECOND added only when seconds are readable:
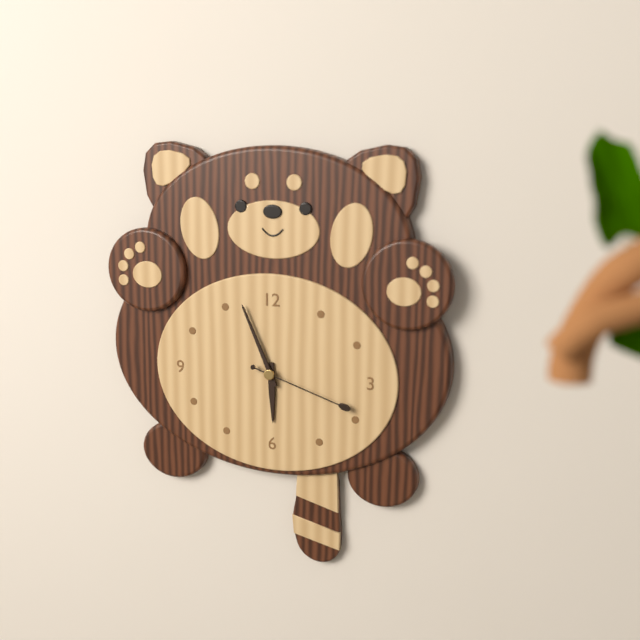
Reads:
h=5 m=56 s=18
